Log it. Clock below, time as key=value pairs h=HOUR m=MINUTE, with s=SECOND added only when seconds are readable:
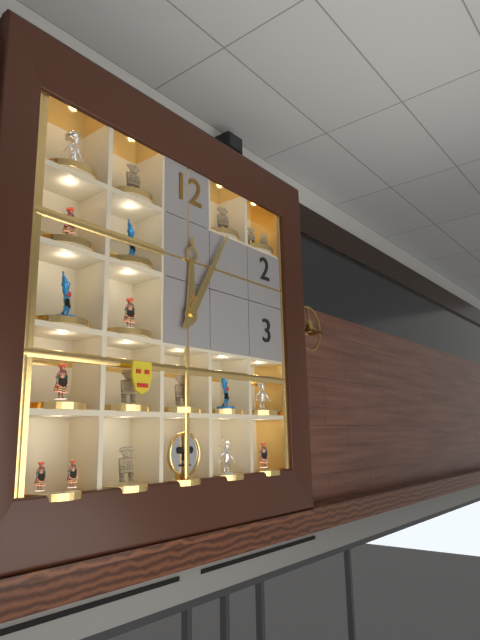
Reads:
h=12 m=5
